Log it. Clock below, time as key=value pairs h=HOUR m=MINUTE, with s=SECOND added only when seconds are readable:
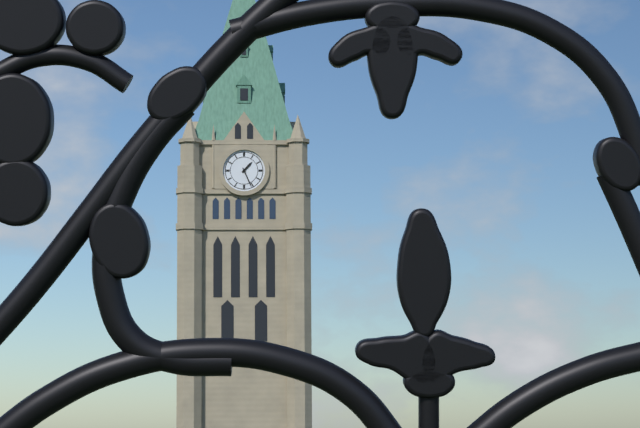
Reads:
h=1 m=26
